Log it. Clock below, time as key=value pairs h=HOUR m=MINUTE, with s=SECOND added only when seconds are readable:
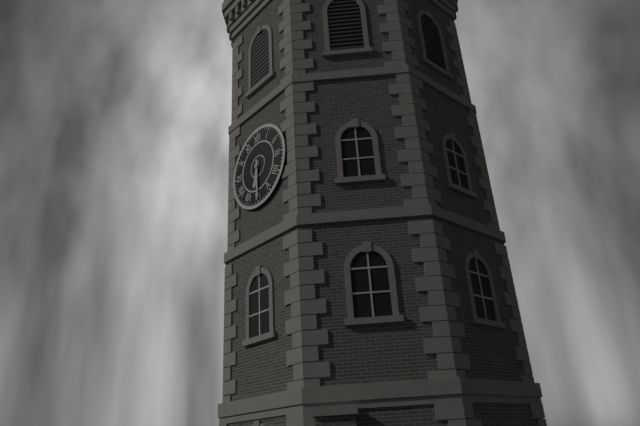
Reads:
h=6 m=30
